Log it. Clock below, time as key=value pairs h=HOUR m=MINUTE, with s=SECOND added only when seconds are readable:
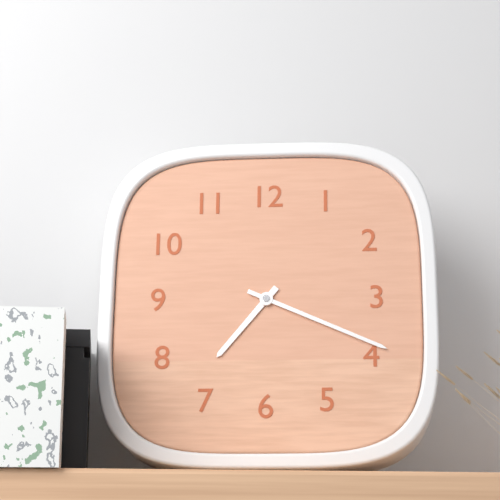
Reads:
h=7 m=19
